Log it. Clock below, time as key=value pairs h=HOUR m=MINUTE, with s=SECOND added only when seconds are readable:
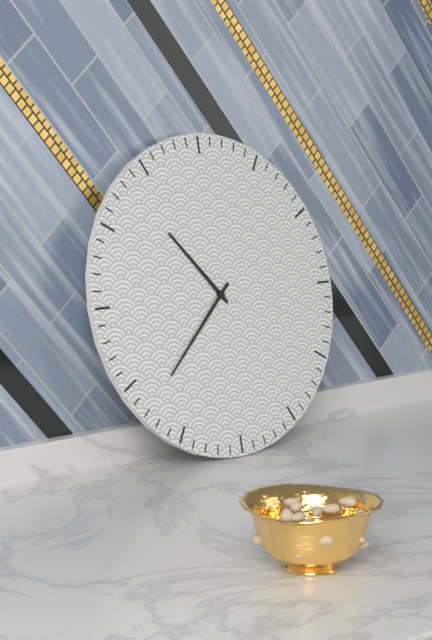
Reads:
h=10 m=38
